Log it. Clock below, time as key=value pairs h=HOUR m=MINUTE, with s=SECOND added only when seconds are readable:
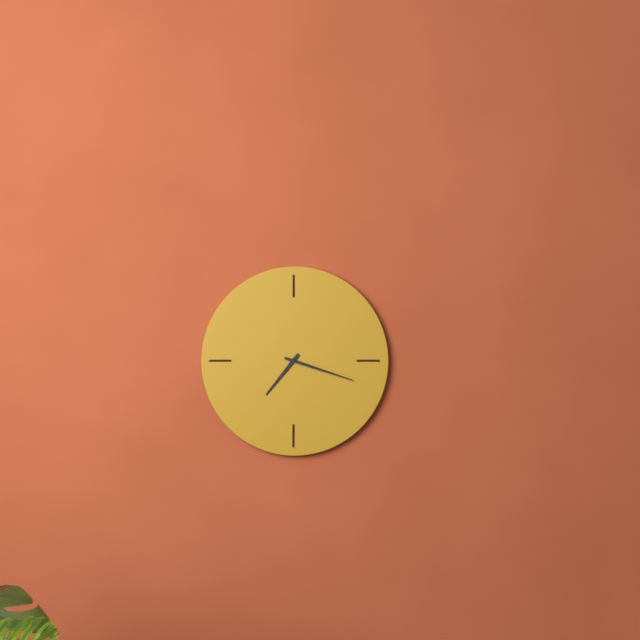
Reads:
h=7 m=18
